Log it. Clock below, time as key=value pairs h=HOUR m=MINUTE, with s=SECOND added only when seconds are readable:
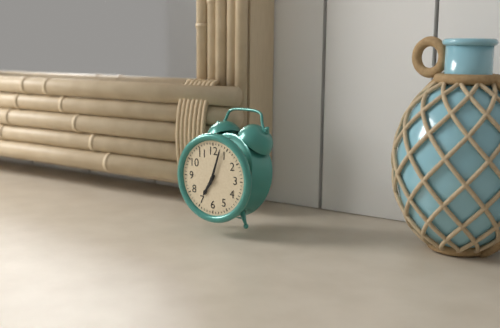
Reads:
h=7 m=3
